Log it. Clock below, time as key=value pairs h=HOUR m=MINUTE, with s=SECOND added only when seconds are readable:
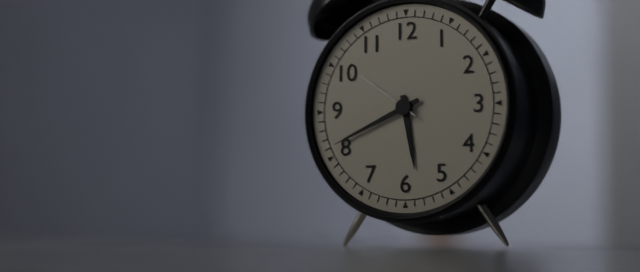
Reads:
h=5 m=41 s=51
